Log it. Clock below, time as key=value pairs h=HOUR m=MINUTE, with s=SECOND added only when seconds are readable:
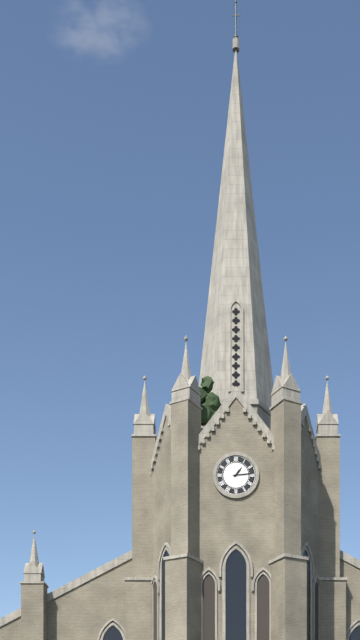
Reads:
h=1 m=14
